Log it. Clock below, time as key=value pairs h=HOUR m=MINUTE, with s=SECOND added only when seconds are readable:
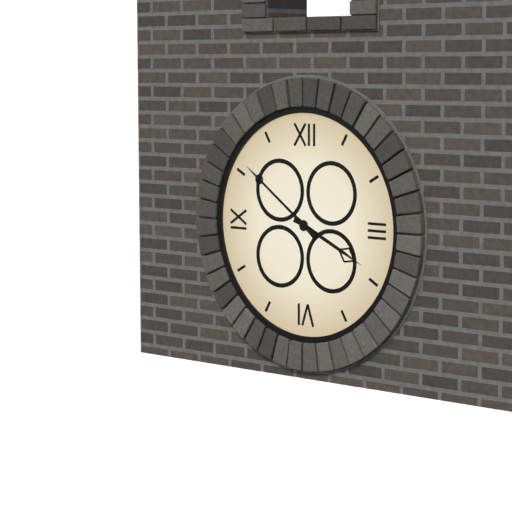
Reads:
h=3 m=51
